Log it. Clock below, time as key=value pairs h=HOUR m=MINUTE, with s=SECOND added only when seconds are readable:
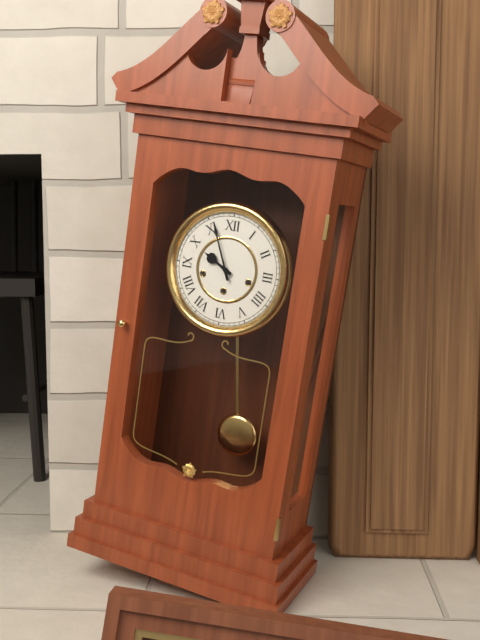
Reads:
h=9 m=56
